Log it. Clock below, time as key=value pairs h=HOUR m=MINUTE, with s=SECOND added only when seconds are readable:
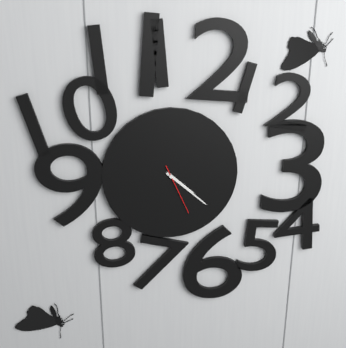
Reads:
h=4 m=22 s=26
